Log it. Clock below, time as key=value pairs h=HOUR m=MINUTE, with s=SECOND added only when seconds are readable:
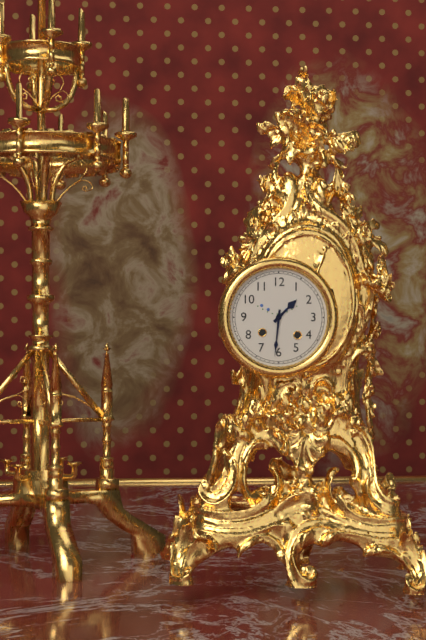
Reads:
h=1 m=31
